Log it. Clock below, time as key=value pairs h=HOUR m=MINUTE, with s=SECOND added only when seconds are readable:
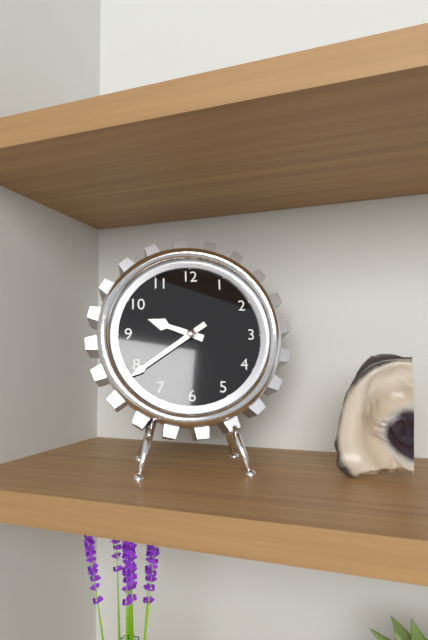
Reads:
h=9 m=39
